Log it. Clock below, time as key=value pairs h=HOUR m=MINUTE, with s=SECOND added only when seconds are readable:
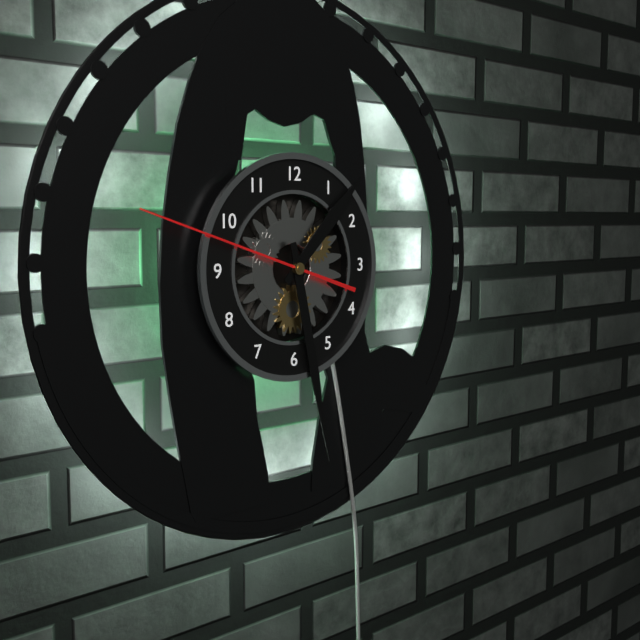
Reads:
h=1 m=28 s=48
